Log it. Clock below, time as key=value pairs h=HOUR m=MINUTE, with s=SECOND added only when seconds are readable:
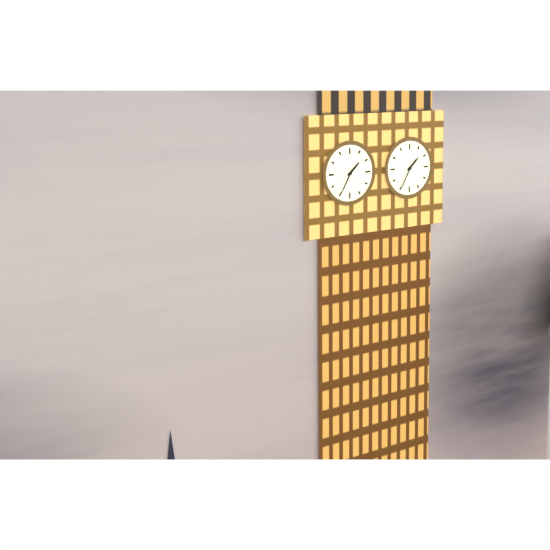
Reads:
h=1 m=35
